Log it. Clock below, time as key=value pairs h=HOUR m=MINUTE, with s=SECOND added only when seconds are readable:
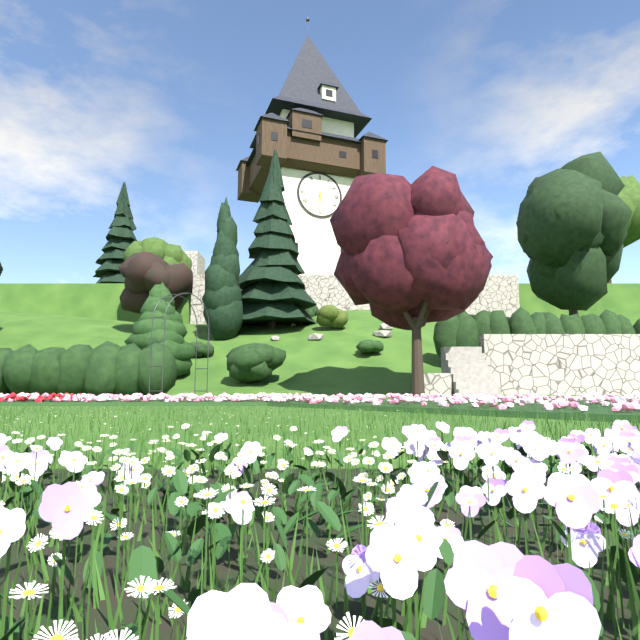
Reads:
h=5 m=32
